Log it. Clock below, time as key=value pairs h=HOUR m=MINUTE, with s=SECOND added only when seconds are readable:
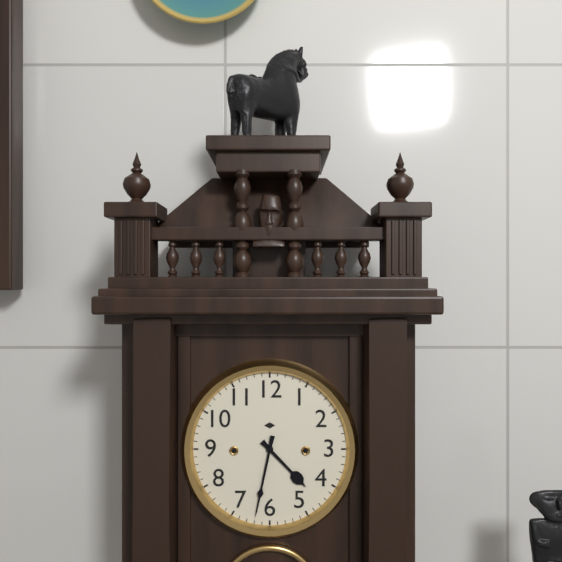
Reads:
h=4 m=32
